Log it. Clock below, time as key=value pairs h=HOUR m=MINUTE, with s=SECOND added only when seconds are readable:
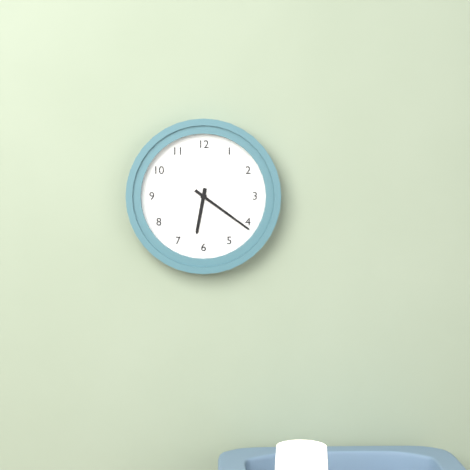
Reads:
h=6 m=21
